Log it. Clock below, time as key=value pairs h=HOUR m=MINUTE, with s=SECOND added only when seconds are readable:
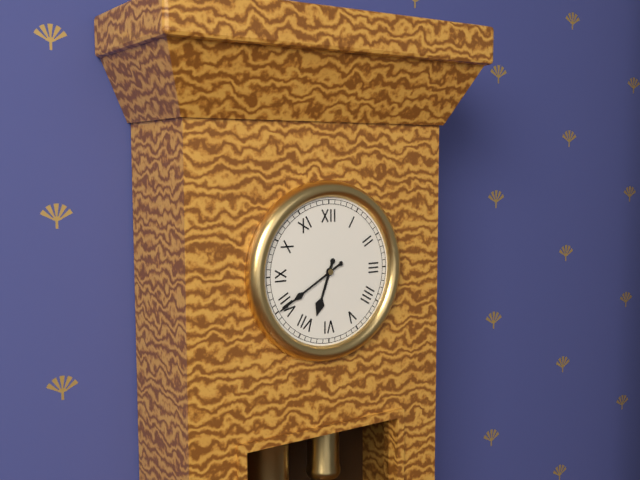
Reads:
h=6 m=40
